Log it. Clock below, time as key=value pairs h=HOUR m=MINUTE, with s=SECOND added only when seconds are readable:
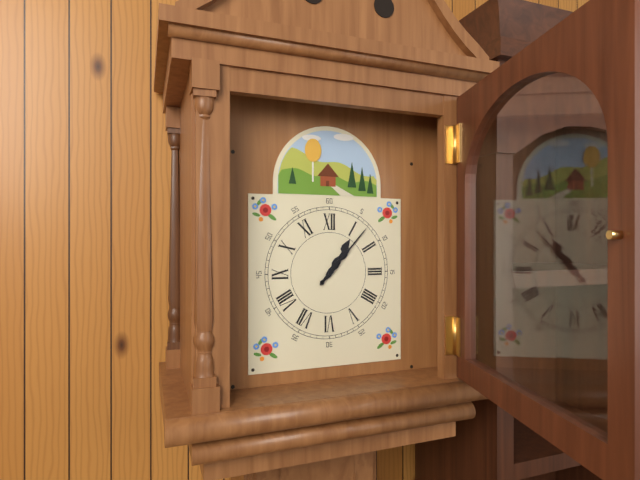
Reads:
h=1 m=7
